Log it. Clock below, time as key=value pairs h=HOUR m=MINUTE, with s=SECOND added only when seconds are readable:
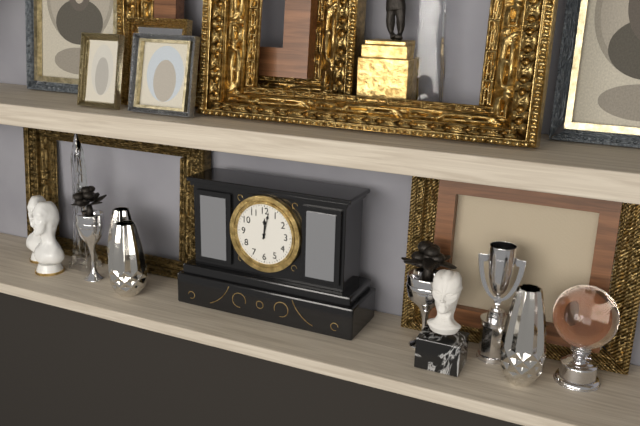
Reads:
h=12 m=2
